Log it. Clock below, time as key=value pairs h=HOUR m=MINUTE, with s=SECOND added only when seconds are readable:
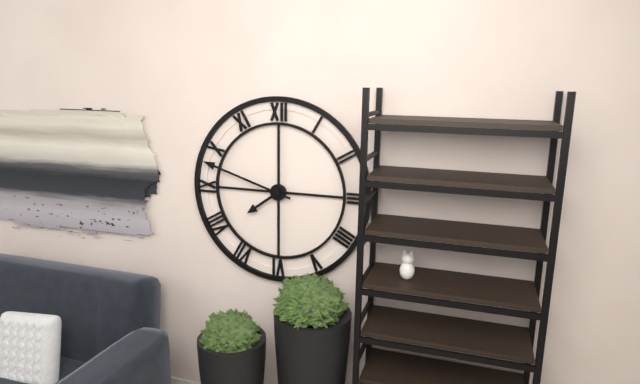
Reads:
h=7 m=48
